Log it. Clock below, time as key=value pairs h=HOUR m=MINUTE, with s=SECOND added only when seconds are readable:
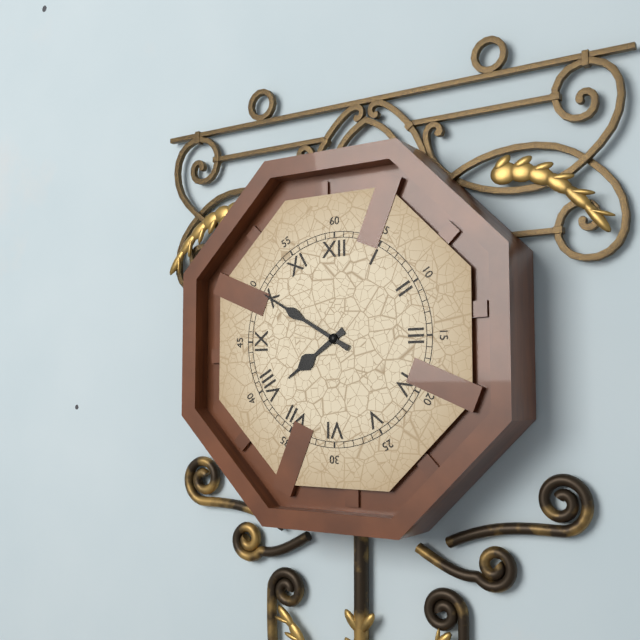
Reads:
h=7 m=50
